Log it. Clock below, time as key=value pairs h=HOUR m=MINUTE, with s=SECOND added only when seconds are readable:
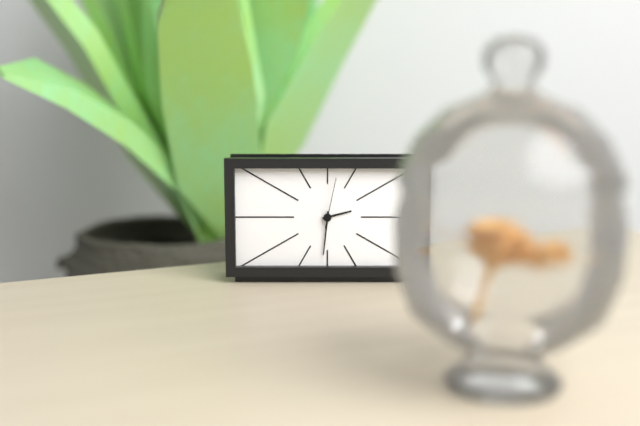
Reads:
h=2 m=31 s=2
